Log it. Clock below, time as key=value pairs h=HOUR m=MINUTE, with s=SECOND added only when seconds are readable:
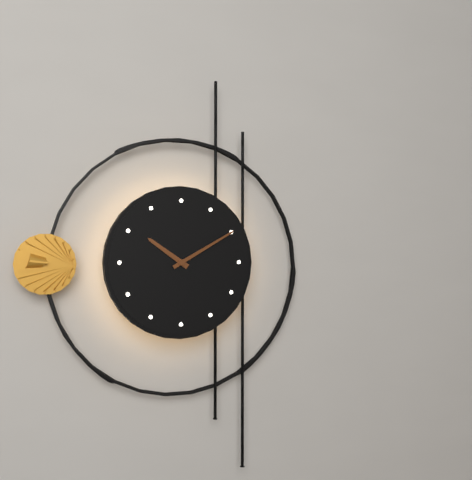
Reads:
h=10 m=10
